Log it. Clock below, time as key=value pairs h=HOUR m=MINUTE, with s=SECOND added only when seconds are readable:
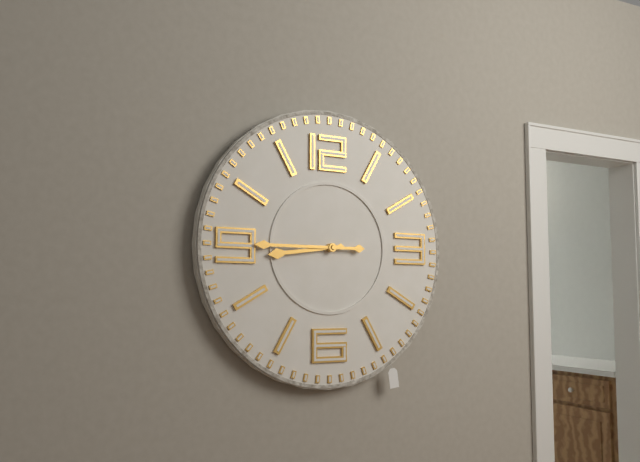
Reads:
h=8 m=45
